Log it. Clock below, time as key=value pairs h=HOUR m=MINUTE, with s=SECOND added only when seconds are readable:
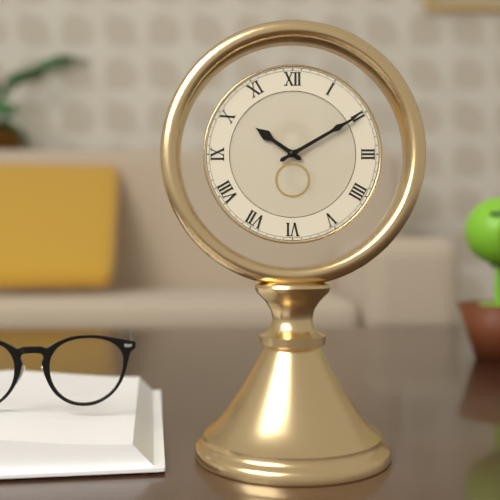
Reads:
h=10 m=10
